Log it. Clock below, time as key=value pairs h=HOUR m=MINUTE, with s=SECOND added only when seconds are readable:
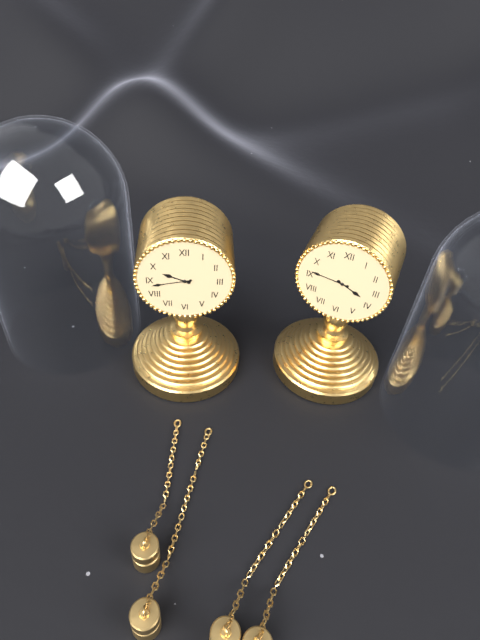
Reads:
h=9 m=43
